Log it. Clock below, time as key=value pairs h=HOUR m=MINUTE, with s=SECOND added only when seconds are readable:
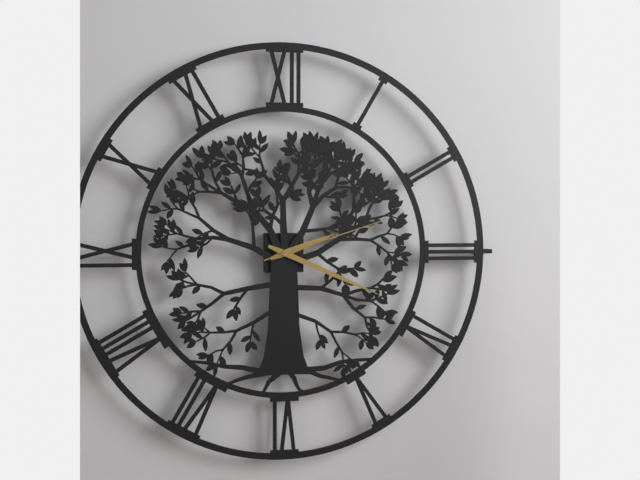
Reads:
h=2 m=19 s=12
